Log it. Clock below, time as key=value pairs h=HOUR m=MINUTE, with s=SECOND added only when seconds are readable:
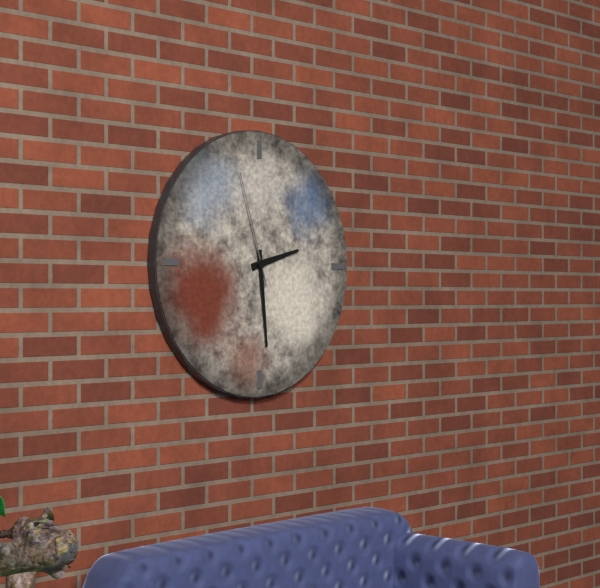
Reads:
h=2 m=29 s=57
